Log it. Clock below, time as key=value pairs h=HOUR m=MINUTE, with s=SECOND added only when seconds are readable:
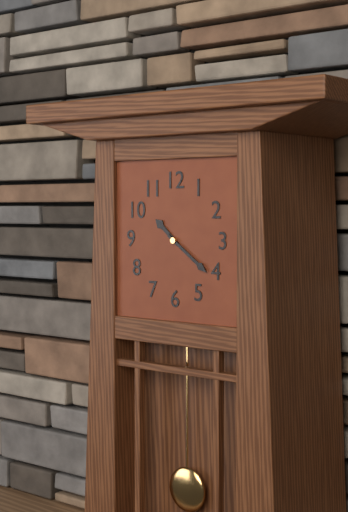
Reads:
h=10 m=21
